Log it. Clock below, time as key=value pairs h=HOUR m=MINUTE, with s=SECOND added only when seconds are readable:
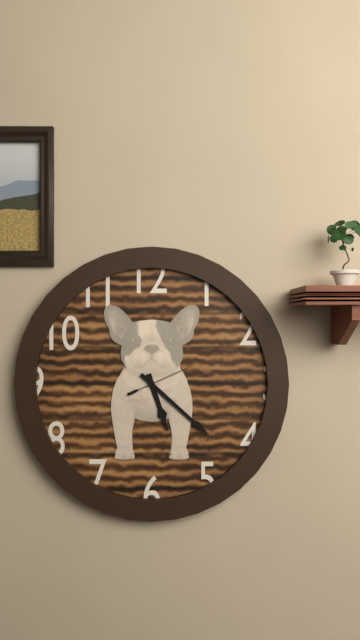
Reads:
h=5 m=22 s=11
